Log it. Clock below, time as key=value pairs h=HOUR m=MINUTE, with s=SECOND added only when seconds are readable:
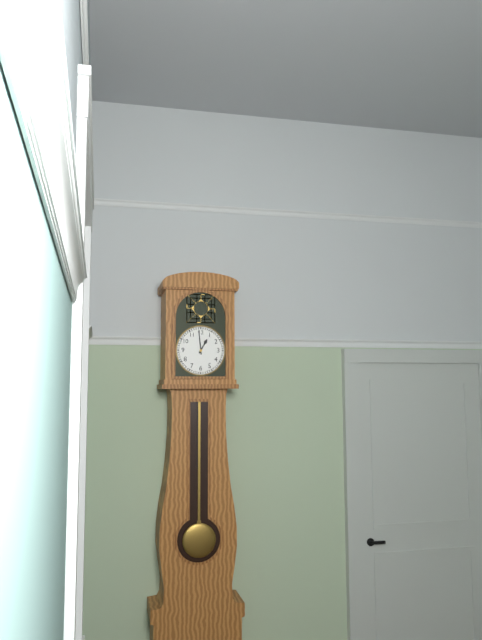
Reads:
h=12 m=59
